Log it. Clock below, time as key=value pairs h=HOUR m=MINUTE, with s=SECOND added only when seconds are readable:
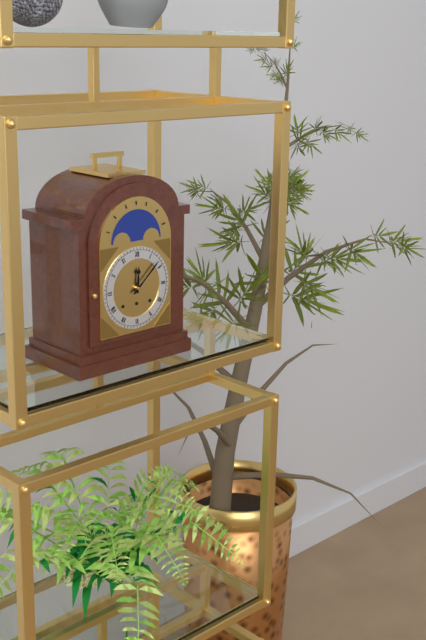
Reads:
h=12 m=8
